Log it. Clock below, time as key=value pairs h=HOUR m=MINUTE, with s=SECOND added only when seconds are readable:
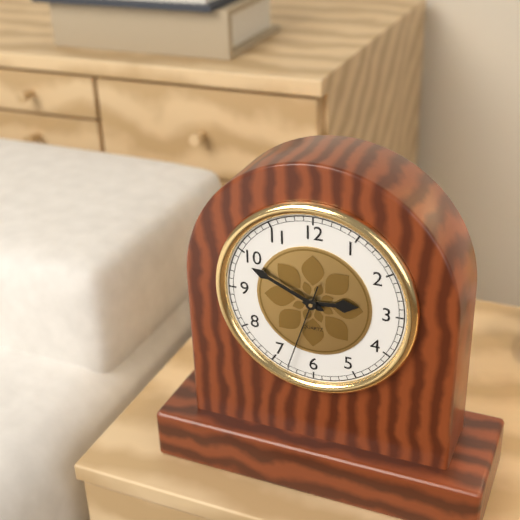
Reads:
h=2 m=49 s=33
